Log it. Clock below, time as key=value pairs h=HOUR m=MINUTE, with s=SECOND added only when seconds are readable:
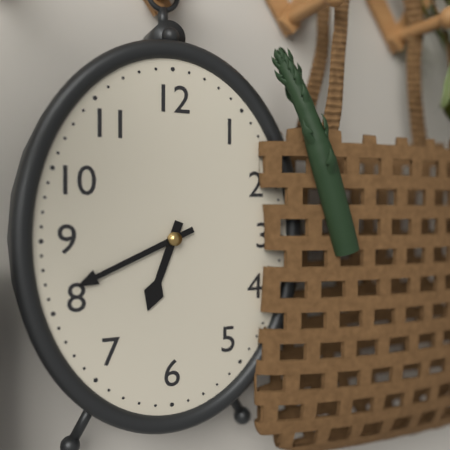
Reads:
h=6 m=41
